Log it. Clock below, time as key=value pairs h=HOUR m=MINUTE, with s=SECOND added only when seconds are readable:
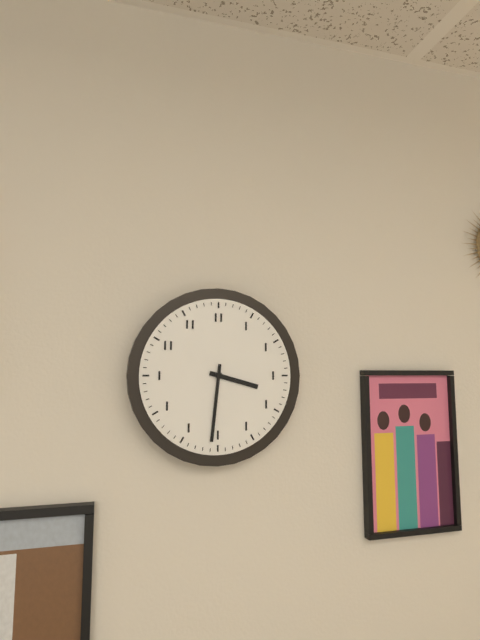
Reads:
h=3 m=31
